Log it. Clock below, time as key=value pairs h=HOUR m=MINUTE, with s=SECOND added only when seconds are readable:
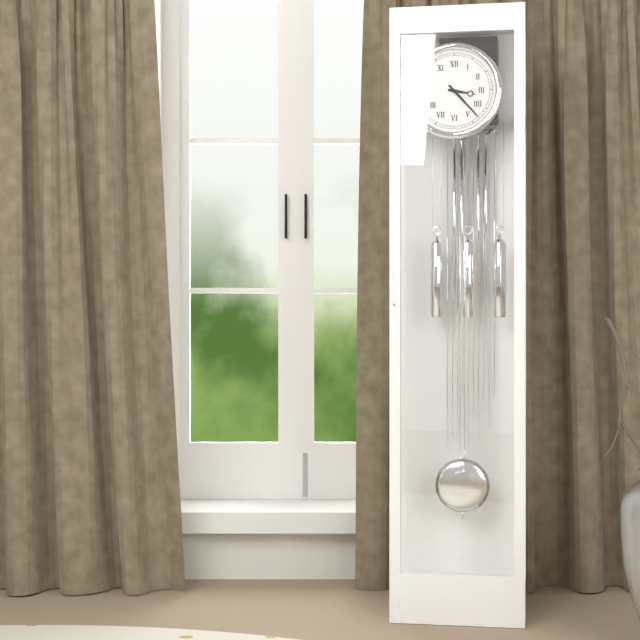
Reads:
h=3 m=23
